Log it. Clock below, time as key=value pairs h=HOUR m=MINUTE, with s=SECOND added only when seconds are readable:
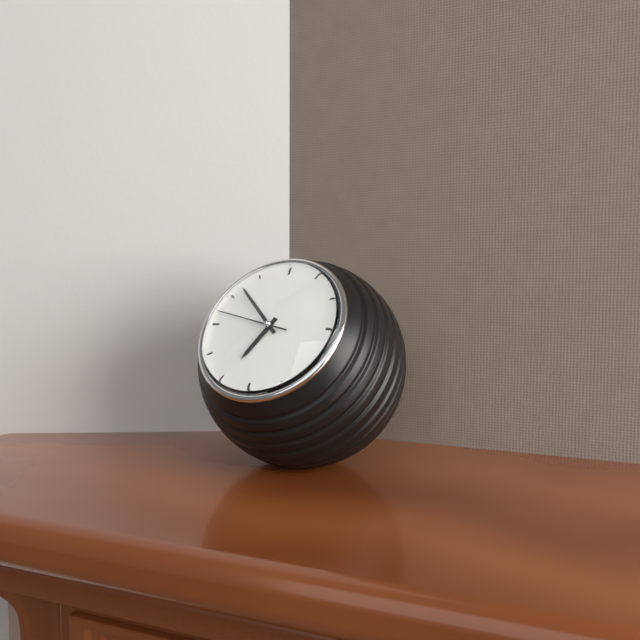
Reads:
h=6 m=52 s=47
